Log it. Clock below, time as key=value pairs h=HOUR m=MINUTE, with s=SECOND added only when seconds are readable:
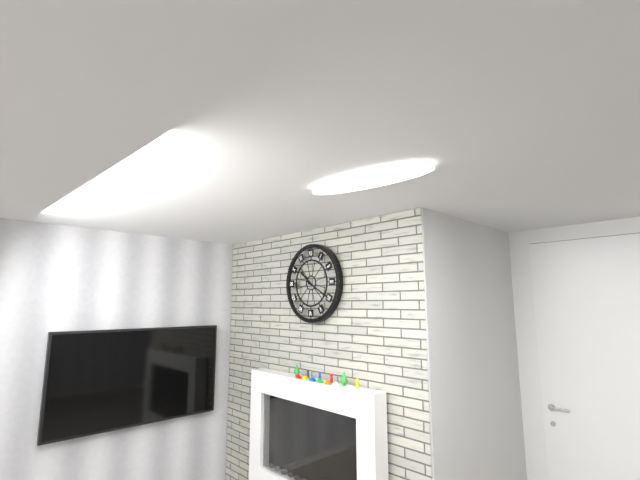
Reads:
h=10 m=20
